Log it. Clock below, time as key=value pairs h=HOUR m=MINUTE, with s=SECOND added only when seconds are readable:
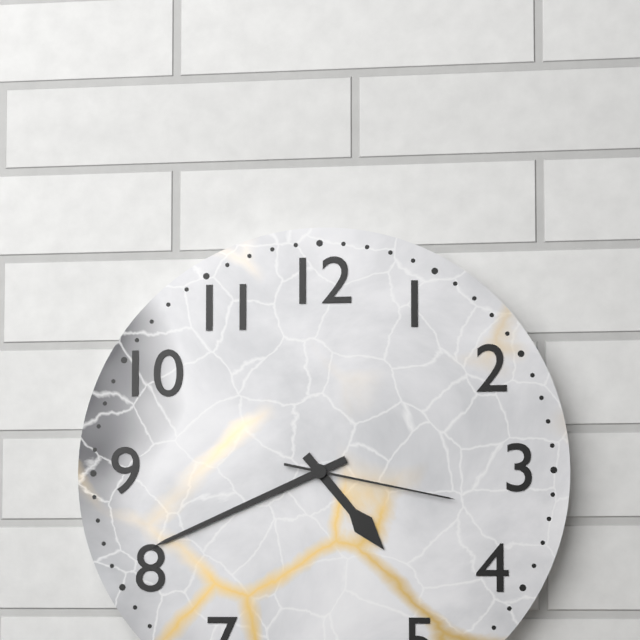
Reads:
h=4 m=41 s=17
